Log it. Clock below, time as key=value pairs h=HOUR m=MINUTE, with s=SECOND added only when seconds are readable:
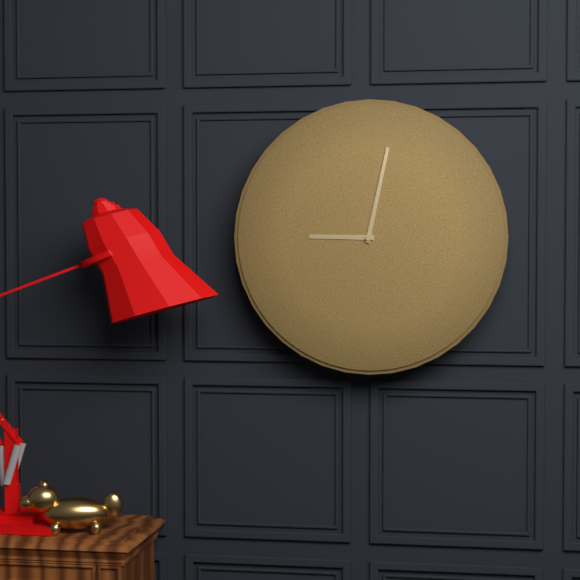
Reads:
h=9 m=2
